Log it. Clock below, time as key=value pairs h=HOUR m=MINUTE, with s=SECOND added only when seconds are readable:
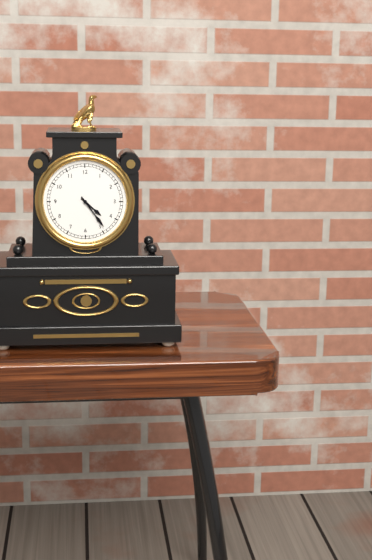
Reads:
h=4 m=24
